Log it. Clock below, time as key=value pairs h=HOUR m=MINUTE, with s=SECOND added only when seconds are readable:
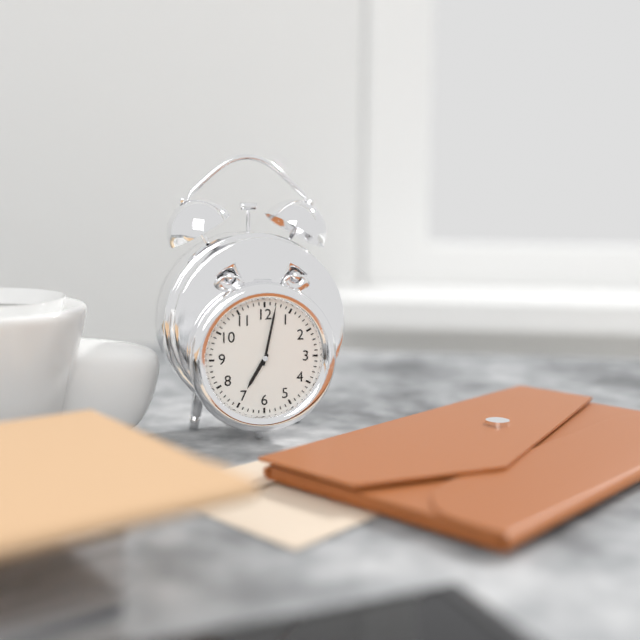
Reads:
h=7 m=2
